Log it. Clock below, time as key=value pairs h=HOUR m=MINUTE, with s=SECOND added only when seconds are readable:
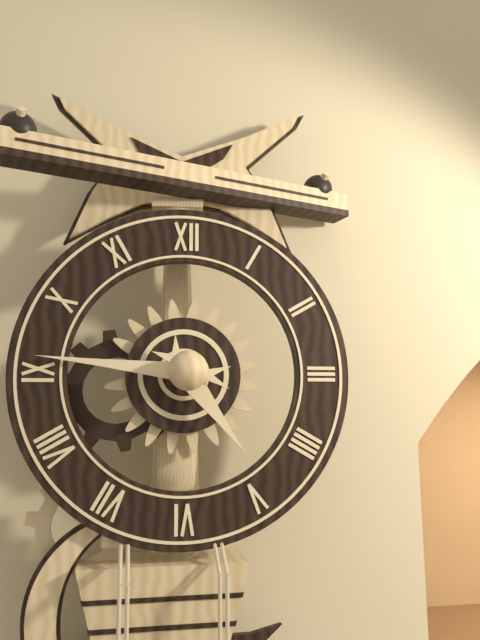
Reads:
h=4 m=46
